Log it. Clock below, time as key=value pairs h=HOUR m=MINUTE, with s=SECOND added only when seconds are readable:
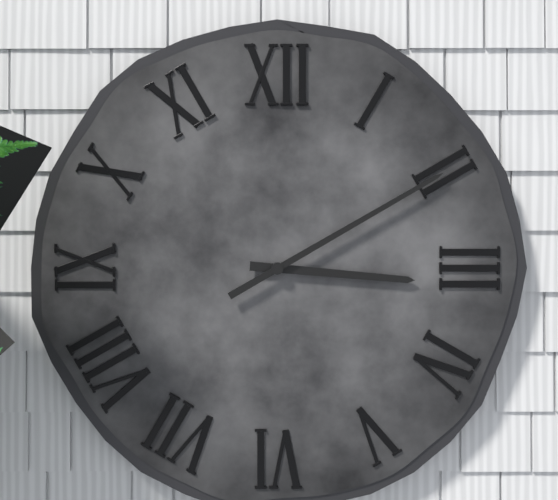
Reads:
h=3 m=10
